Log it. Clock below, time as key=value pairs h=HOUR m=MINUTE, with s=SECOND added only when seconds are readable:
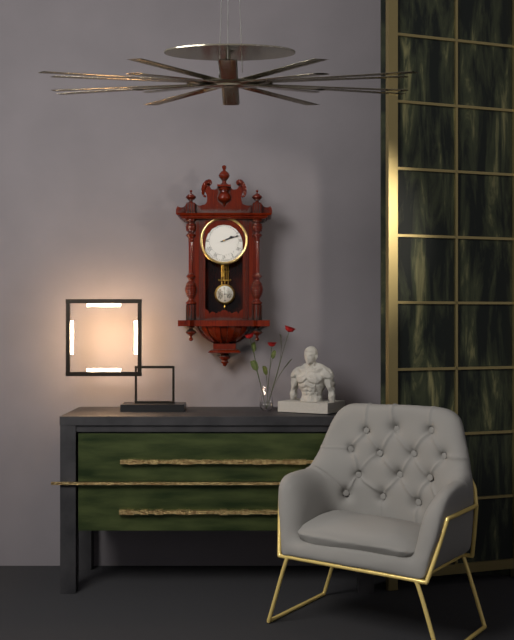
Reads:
h=2 m=12
